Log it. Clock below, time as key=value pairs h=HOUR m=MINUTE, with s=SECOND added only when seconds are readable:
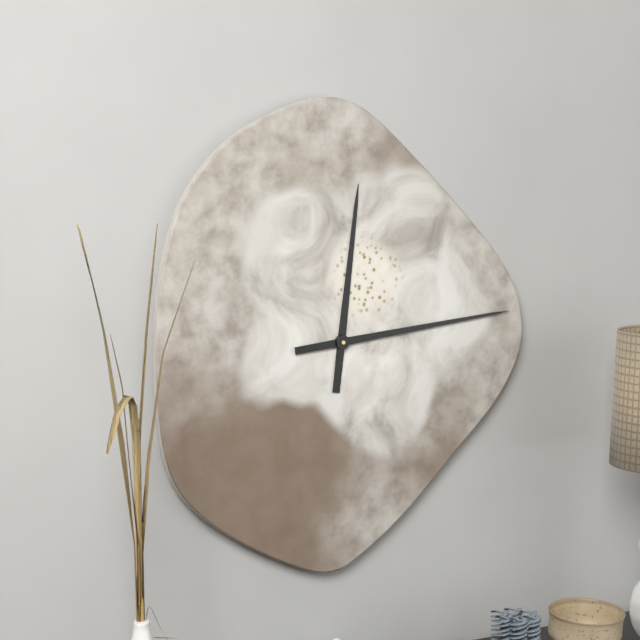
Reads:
h=12 m=14
